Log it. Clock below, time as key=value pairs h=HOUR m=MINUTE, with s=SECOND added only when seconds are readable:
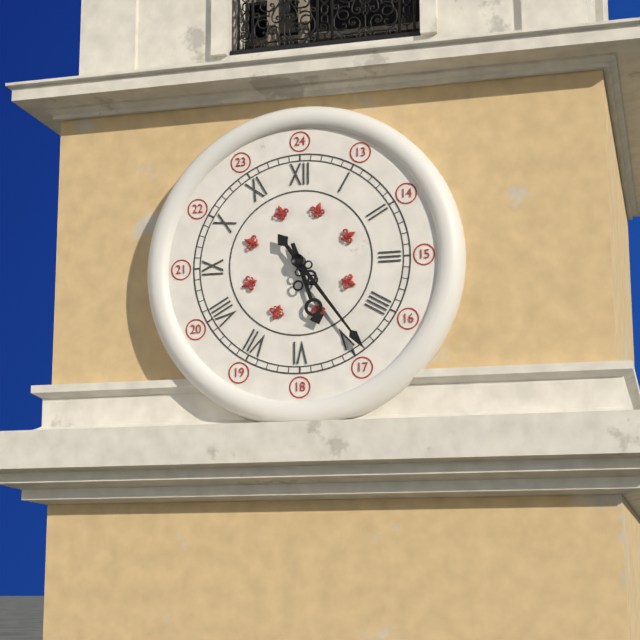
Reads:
h=5 m=24
